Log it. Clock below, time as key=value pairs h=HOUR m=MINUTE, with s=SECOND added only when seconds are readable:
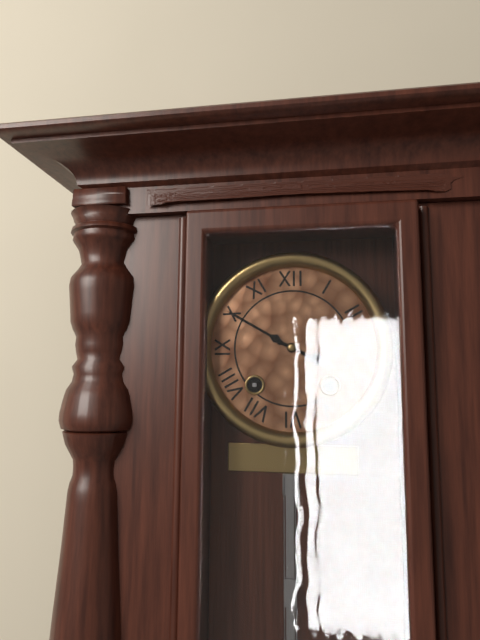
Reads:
h=3 m=50
